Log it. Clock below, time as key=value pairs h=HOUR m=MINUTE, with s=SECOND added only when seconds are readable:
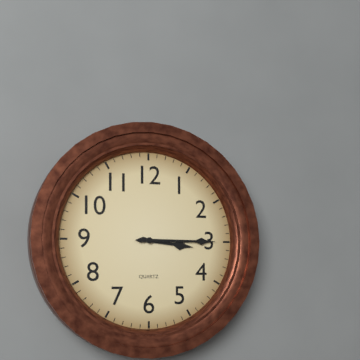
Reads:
h=3 m=15
